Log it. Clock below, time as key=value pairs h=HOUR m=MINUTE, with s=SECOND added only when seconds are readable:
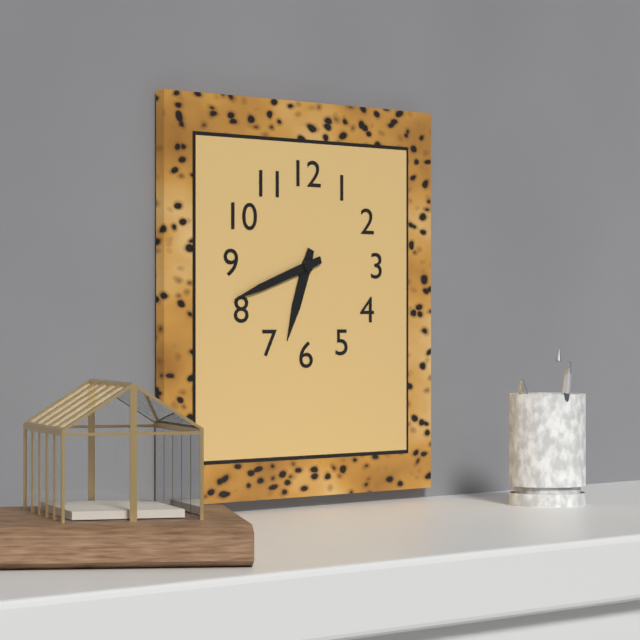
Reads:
h=6 m=42
